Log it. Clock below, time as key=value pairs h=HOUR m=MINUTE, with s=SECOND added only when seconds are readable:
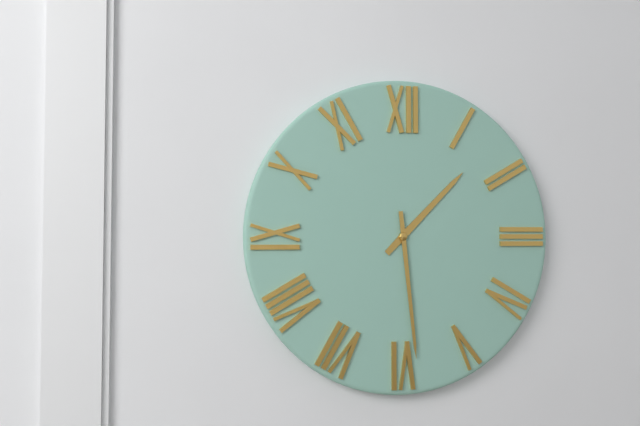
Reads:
h=1 m=29
